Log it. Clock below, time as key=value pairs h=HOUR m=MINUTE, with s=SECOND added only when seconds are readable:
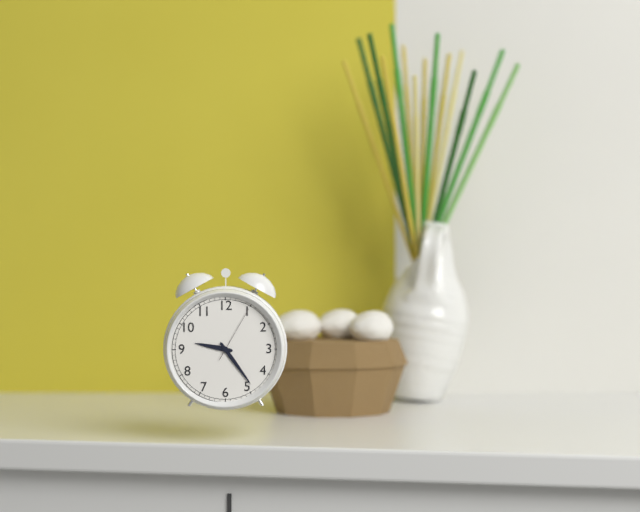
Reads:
h=9 m=24 s=5
